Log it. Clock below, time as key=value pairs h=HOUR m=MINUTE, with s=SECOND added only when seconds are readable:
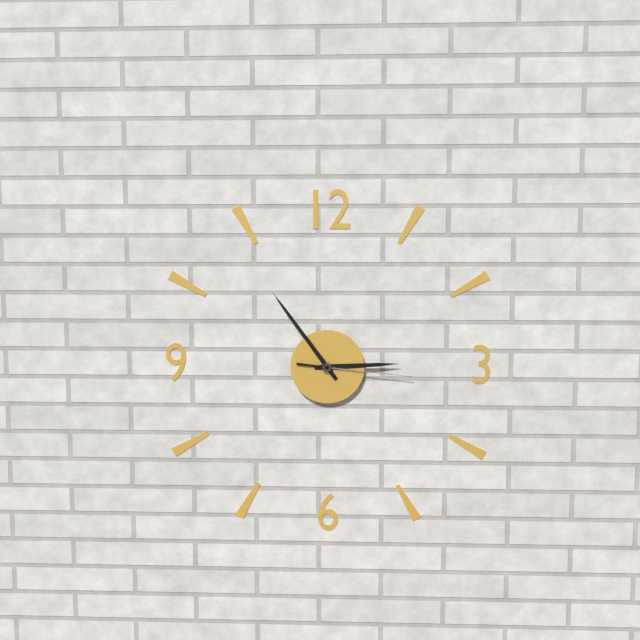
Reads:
h=2 m=54 s=16
